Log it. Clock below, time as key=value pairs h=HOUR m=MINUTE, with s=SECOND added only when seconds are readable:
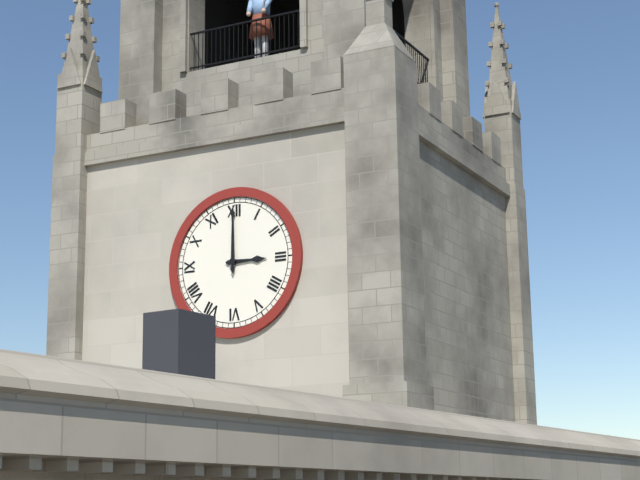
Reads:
h=3 m=0
